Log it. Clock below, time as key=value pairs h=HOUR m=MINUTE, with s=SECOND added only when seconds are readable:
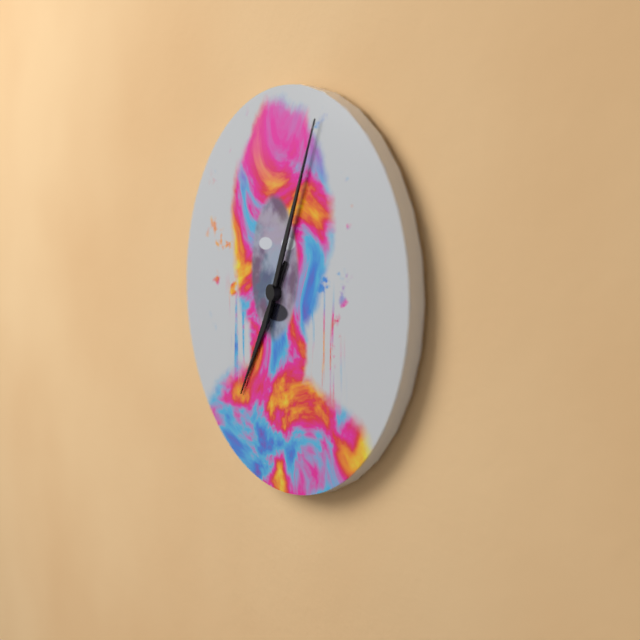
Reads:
h=7 m=4
